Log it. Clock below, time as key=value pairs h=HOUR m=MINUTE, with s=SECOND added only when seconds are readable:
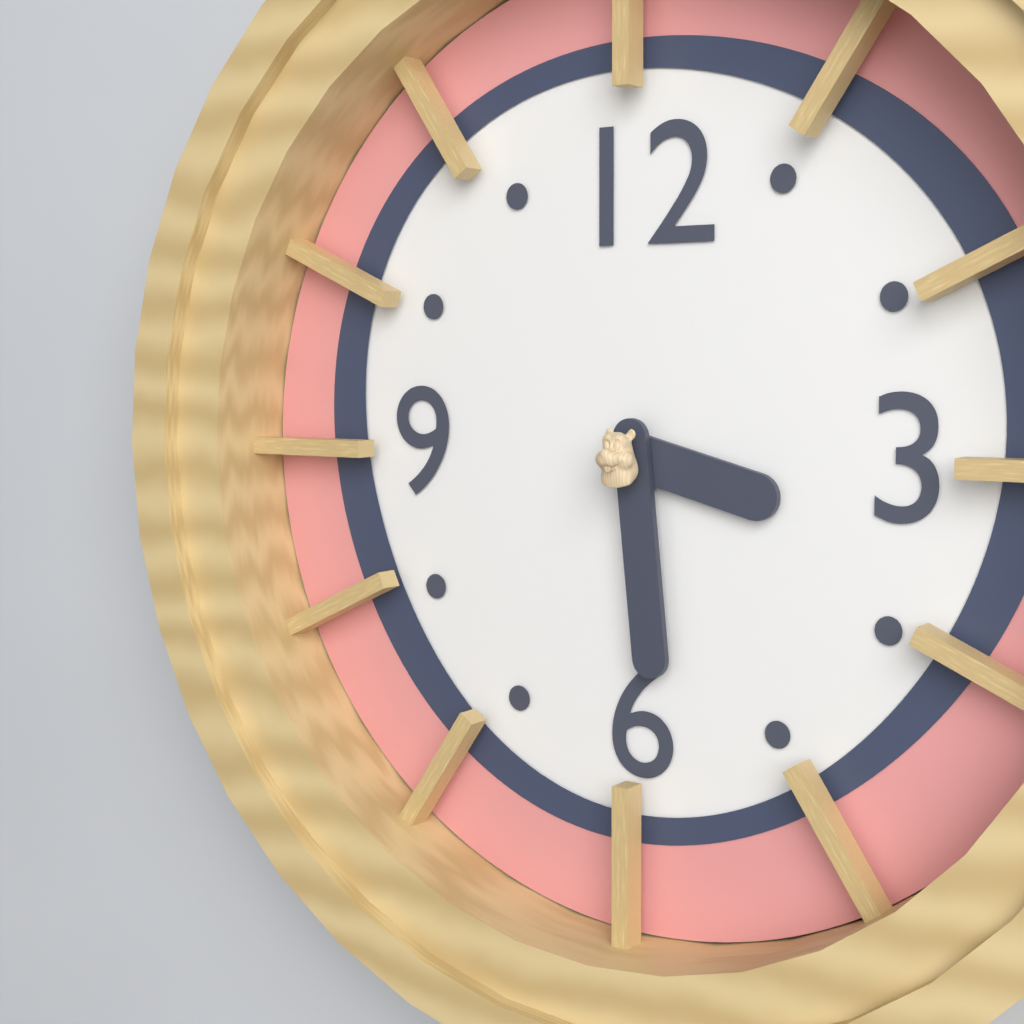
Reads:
h=3 m=29
